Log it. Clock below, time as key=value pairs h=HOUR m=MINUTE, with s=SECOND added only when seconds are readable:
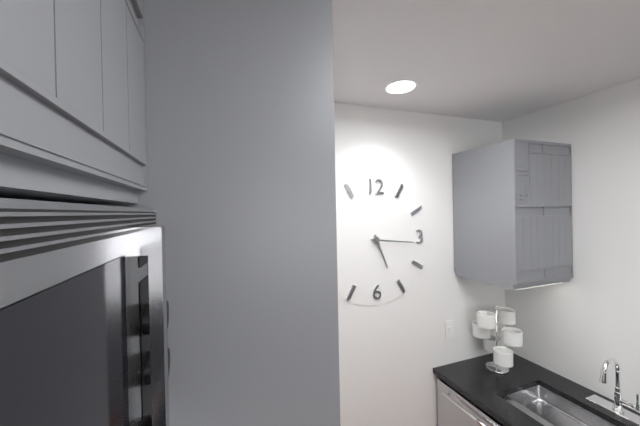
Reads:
h=5 m=16
